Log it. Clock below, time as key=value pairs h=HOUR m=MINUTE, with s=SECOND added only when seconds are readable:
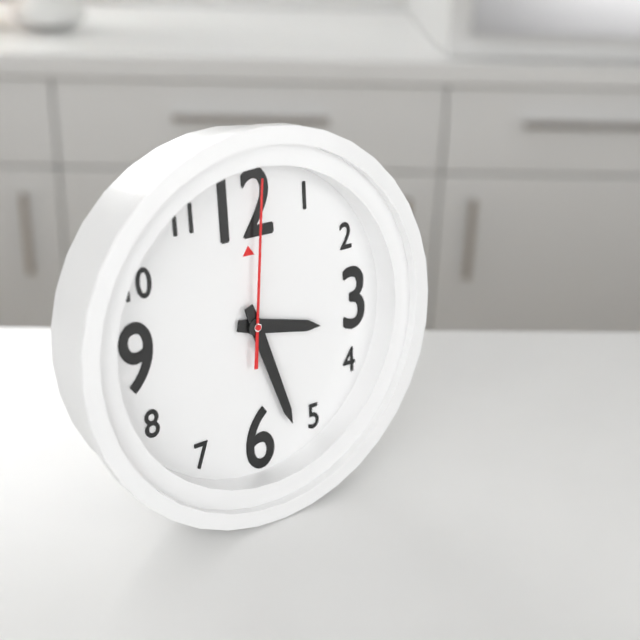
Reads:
h=3 m=27 s=1
